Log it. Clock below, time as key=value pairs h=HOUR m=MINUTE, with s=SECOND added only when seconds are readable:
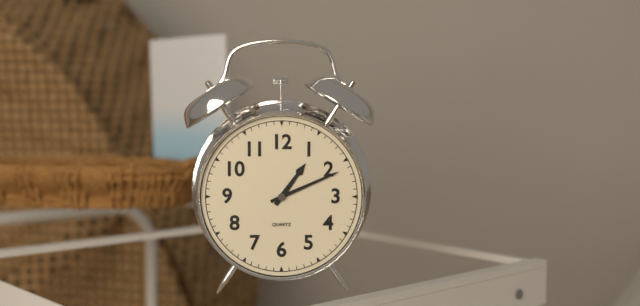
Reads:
h=1 m=11
